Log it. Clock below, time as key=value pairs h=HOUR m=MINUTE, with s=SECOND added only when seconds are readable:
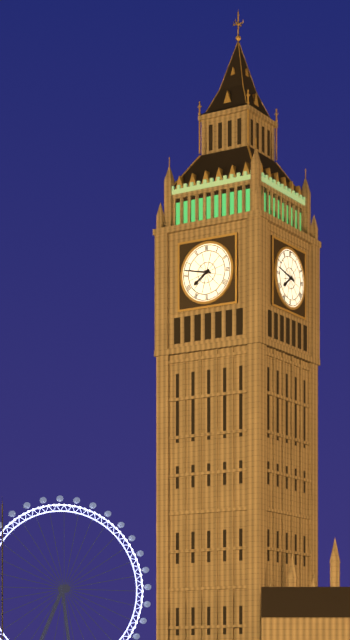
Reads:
h=7 m=47
